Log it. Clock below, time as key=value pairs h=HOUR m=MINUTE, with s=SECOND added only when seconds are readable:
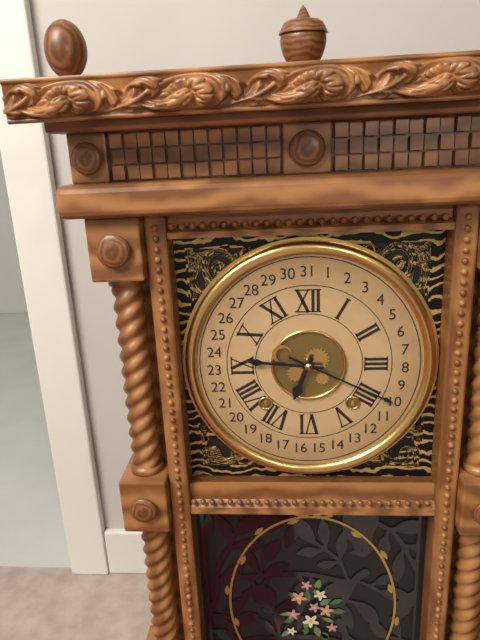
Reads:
h=6 m=46
